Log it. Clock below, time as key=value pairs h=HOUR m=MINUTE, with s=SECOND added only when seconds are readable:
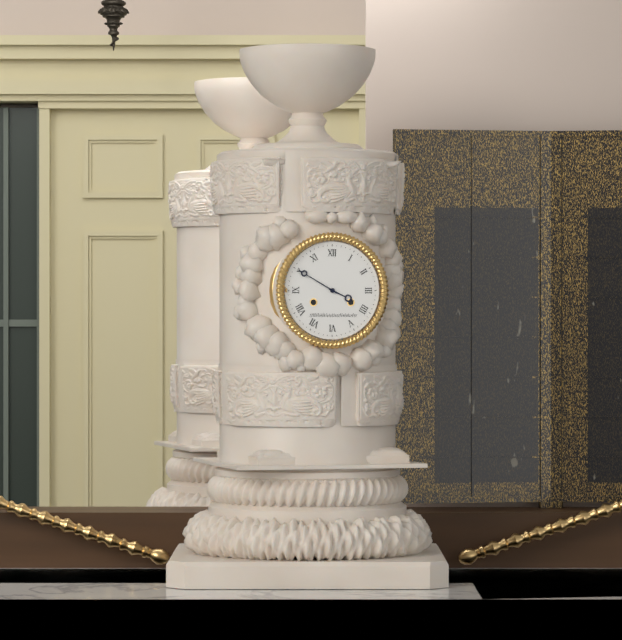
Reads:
h=3 m=50
